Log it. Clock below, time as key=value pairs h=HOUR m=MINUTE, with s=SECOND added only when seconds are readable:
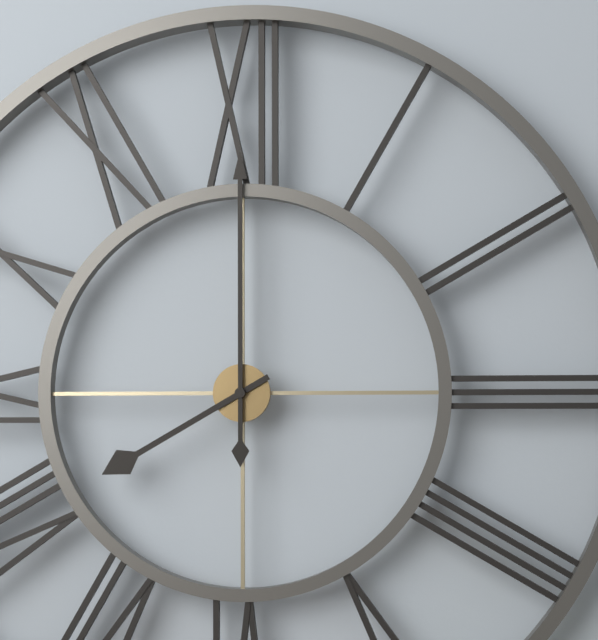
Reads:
h=8 m=0
